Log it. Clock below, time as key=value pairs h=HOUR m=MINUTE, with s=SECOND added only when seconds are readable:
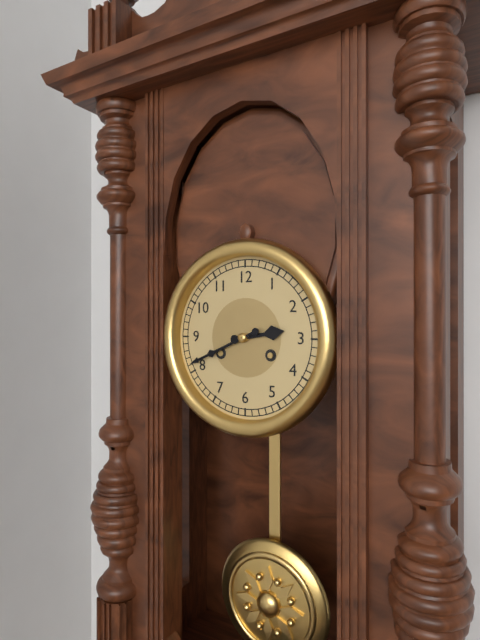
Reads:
h=2 m=41
